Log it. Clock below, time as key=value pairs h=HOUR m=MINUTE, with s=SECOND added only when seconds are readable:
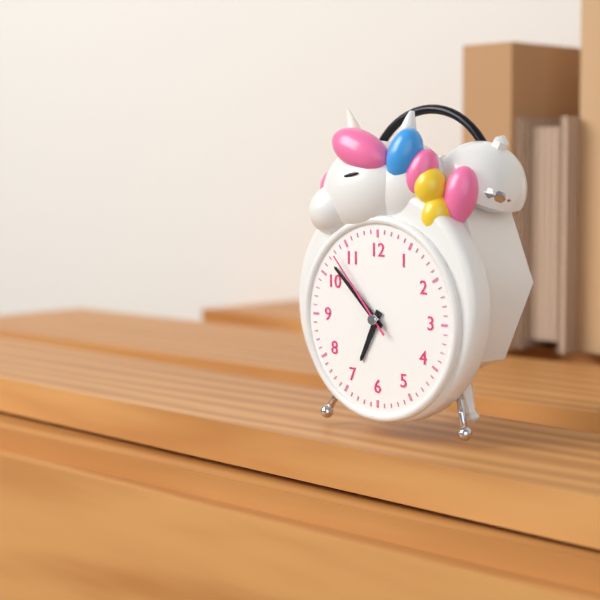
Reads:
h=6 m=52 s=53
